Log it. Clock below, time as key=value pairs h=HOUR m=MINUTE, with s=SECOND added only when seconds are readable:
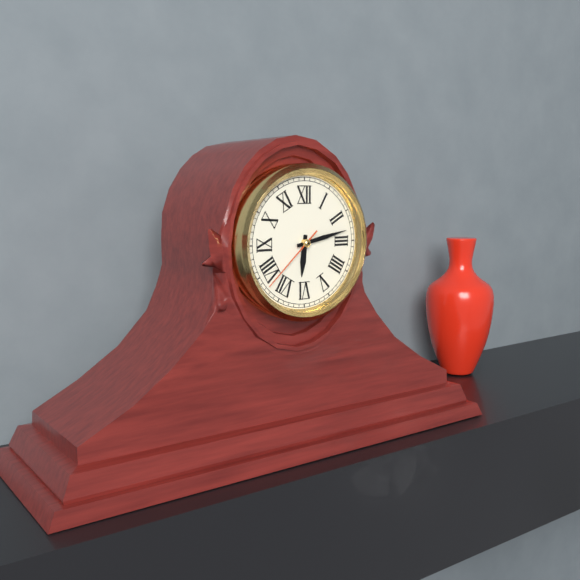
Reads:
h=6 m=13 s=38
